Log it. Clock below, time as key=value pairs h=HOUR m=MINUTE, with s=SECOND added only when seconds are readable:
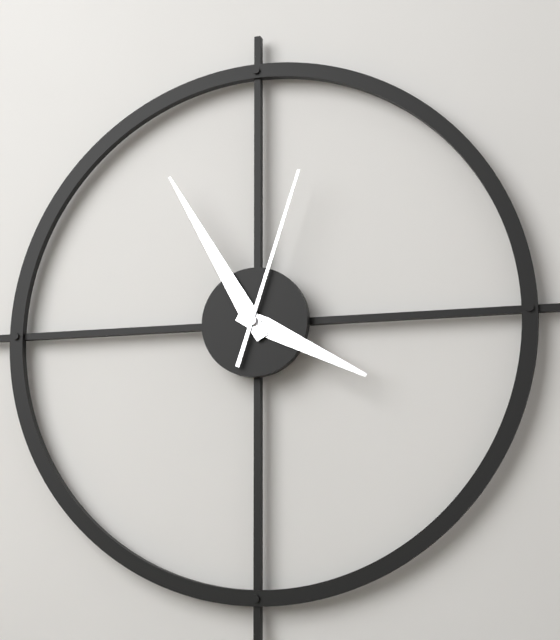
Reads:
h=3 m=55 s=3
